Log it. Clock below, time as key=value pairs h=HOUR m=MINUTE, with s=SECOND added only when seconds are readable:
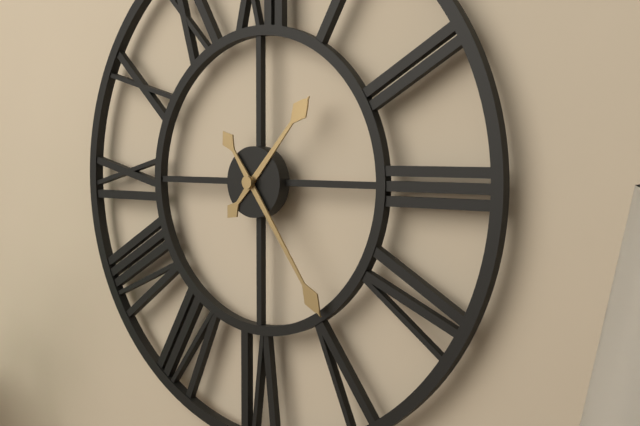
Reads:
h=1 m=24
